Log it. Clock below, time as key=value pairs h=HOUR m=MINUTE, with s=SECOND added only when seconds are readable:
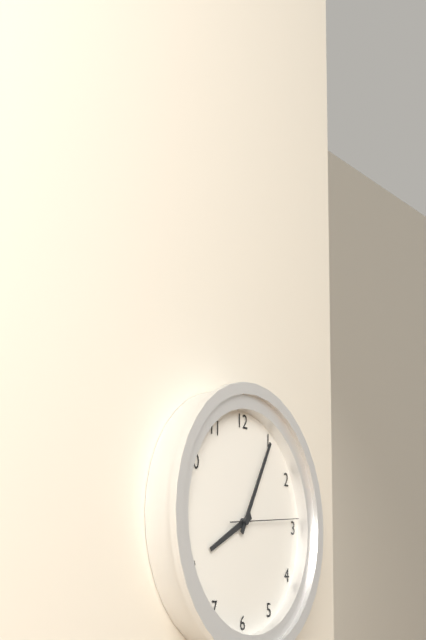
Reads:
h=8 m=5 s=14
